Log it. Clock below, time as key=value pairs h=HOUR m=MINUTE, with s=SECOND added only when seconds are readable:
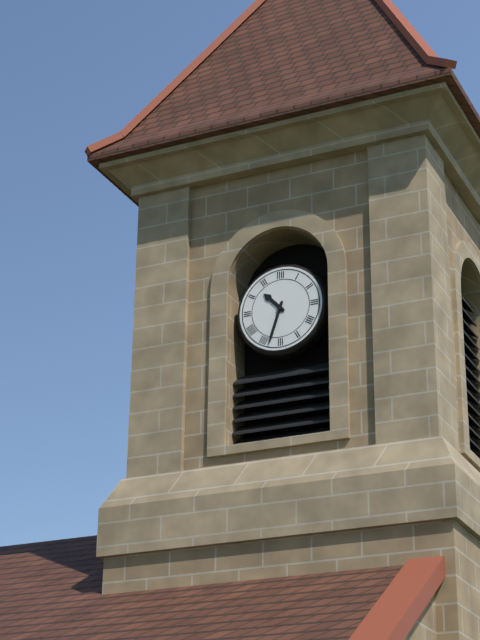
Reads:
h=10 m=33
